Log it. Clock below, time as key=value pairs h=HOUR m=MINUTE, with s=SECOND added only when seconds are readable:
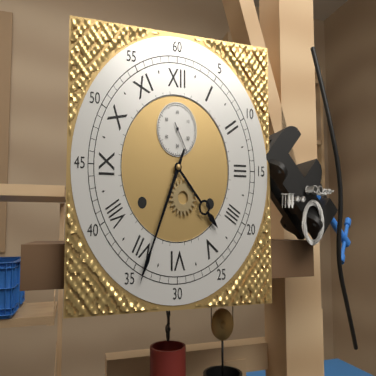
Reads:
h=4 m=34
